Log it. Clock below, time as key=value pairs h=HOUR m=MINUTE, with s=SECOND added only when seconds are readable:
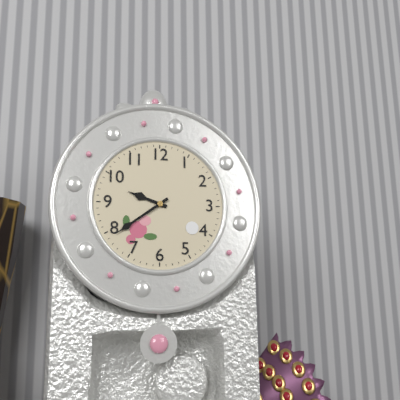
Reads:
h=9 m=39
